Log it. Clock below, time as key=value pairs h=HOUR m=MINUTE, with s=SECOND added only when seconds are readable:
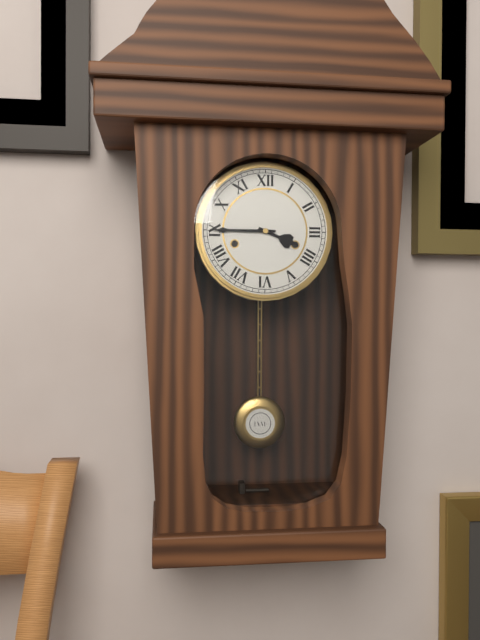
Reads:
h=3 m=45
